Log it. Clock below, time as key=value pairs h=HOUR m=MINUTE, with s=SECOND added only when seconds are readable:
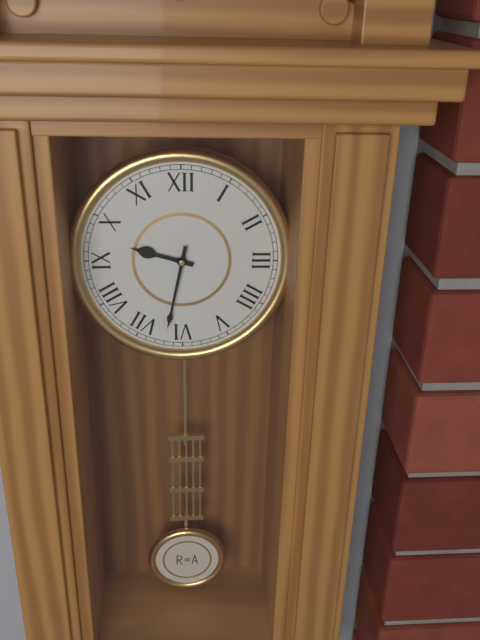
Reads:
h=9 m=32
